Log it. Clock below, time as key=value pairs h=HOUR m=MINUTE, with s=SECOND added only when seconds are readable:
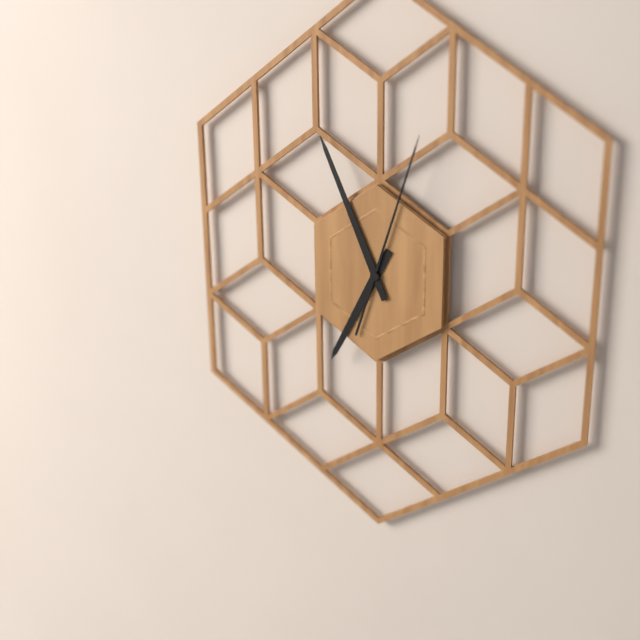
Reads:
h=6 m=56 s=3
